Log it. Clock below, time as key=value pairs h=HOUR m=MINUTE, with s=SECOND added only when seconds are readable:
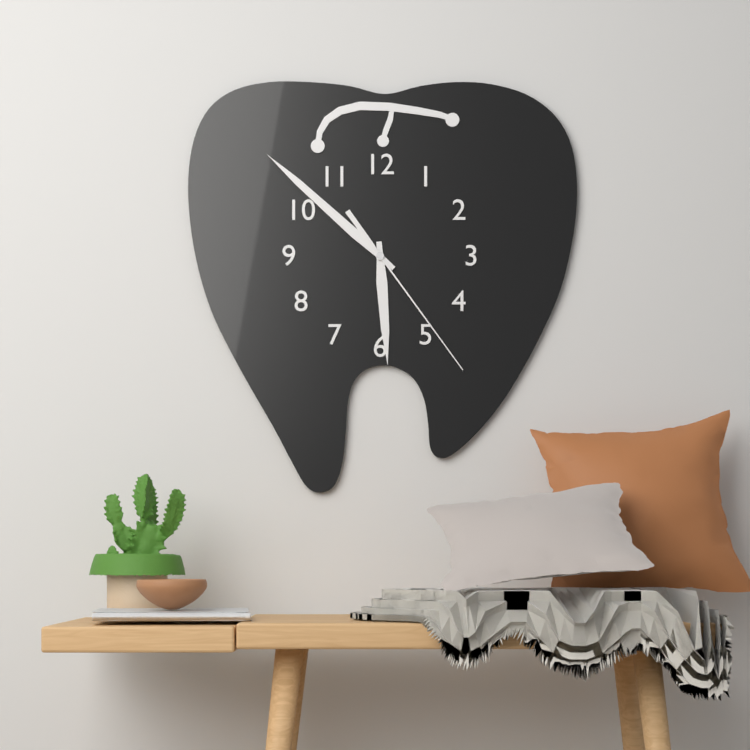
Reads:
h=5 m=52 s=24
